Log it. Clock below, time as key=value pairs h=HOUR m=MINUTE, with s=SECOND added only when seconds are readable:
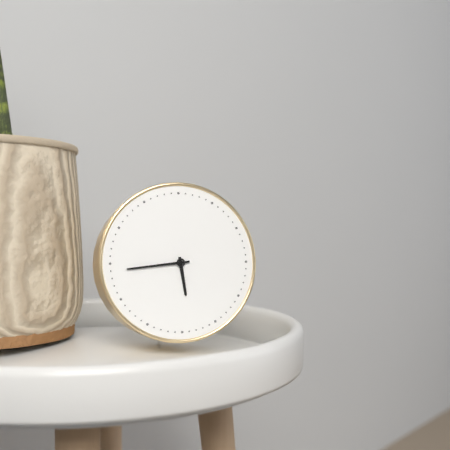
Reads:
h=5 m=44
